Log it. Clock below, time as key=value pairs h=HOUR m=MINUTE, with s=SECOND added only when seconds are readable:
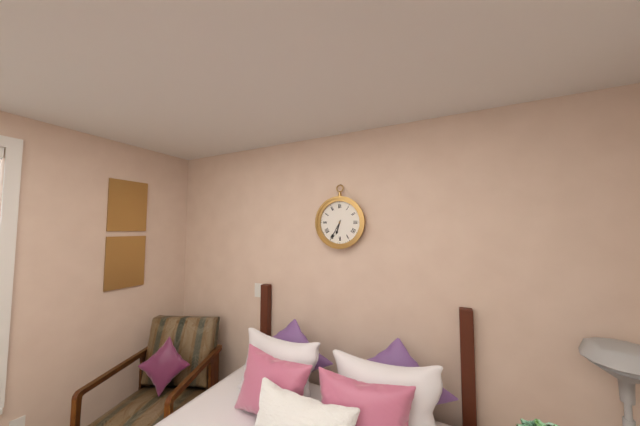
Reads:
h=6 m=35
